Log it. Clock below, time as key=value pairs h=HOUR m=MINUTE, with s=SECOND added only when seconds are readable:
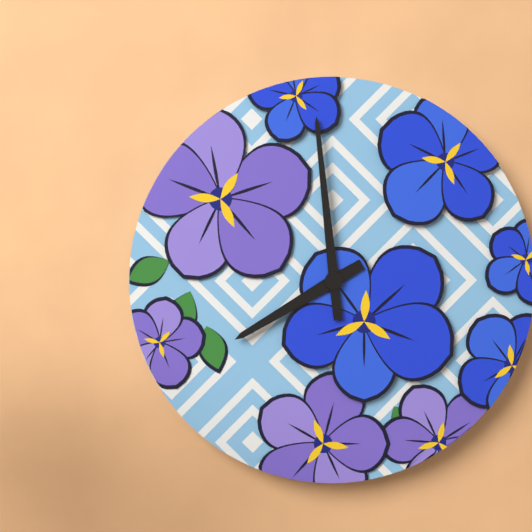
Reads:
h=7 m=59
